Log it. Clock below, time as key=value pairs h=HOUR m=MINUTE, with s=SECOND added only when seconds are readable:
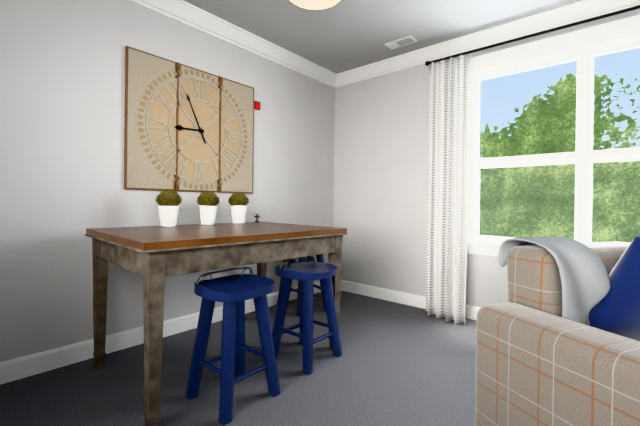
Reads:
h=8 m=56
